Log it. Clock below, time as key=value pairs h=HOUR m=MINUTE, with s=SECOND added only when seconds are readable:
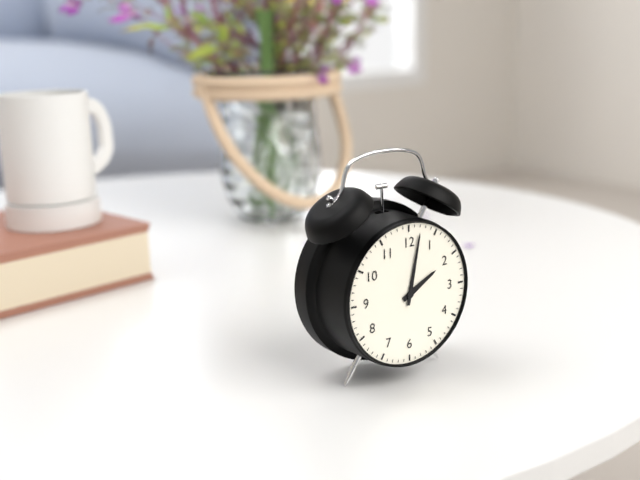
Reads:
h=2 m=2
